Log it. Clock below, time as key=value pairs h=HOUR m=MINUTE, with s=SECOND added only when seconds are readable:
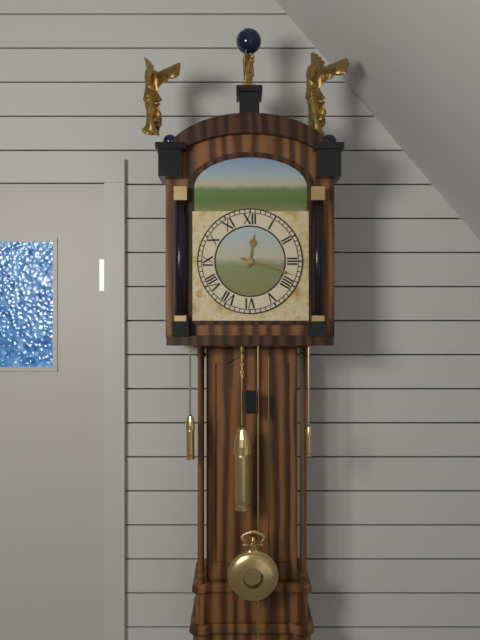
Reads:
h=12 m=18
